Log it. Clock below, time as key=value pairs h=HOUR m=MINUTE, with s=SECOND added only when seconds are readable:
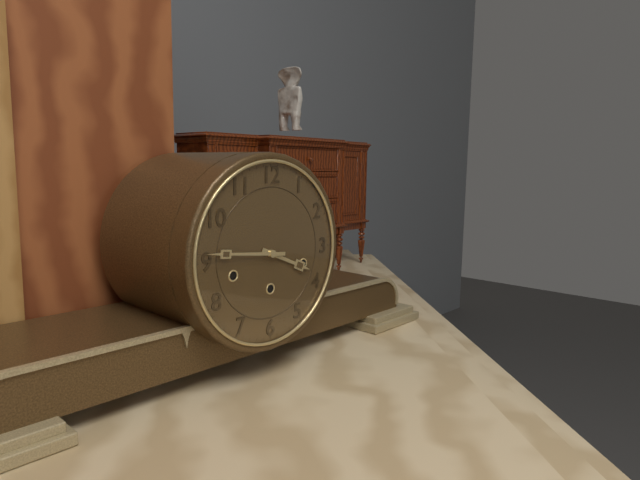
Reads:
h=3 m=46
